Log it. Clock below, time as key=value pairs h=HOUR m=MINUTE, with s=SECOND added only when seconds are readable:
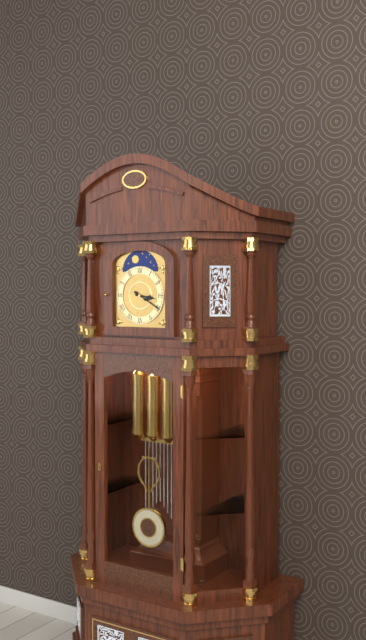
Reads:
h=3 m=20
